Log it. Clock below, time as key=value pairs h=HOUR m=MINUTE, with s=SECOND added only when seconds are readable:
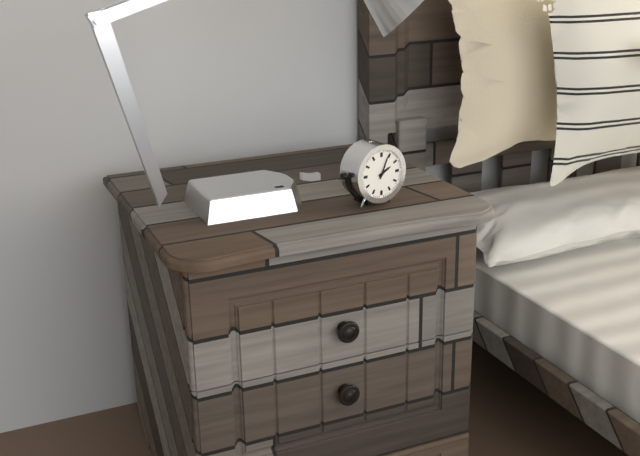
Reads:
h=2 m=4
